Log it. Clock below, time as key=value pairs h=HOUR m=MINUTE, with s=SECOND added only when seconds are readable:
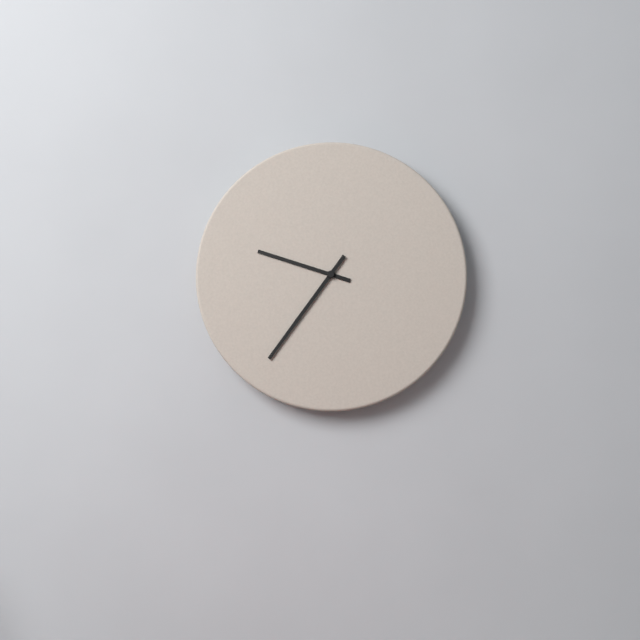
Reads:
h=9 m=36
